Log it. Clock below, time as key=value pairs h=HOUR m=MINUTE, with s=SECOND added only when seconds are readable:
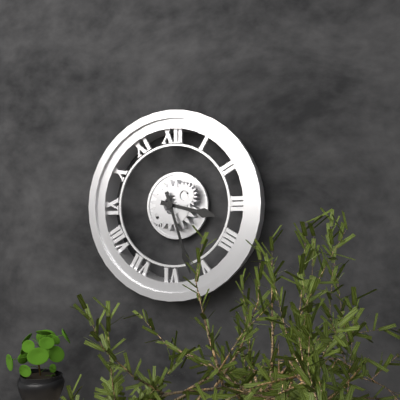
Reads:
h=3 m=27
